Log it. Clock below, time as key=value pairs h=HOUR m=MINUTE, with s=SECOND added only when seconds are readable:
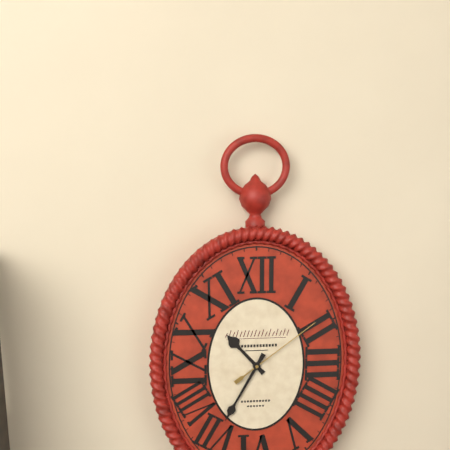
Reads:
h=10 m=35 s=9
